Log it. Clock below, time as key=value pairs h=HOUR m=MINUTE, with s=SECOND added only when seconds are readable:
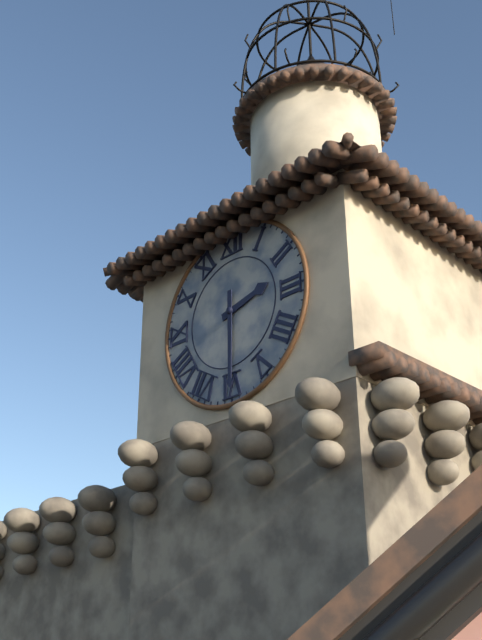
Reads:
h=2 m=30
